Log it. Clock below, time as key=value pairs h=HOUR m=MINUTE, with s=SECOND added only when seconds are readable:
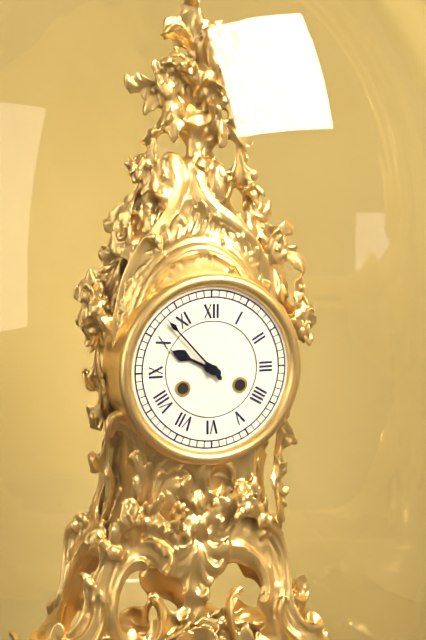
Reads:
h=9 m=53
